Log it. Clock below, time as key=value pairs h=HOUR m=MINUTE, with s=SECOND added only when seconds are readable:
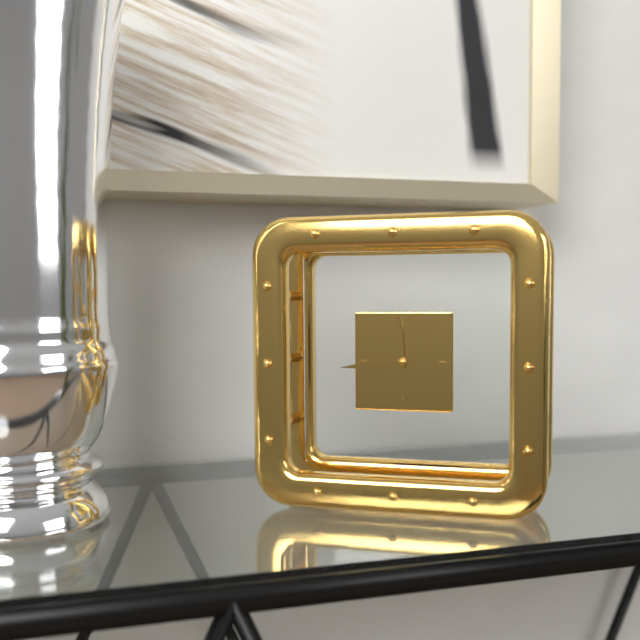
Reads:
h=11 m=44
